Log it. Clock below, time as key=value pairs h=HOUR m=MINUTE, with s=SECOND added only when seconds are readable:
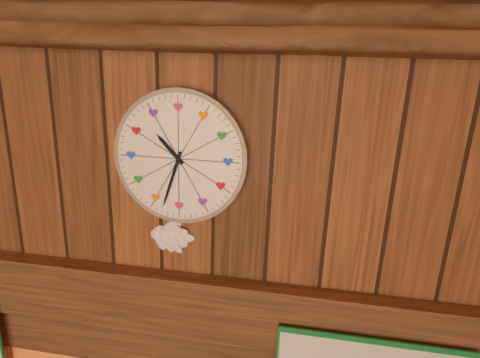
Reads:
h=10 m=33
